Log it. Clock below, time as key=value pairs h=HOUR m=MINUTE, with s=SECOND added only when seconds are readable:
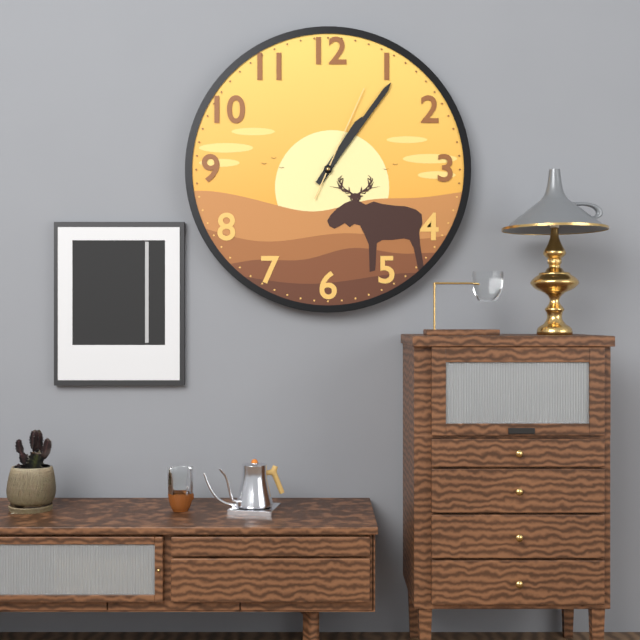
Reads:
h=1 m=6 s=4
